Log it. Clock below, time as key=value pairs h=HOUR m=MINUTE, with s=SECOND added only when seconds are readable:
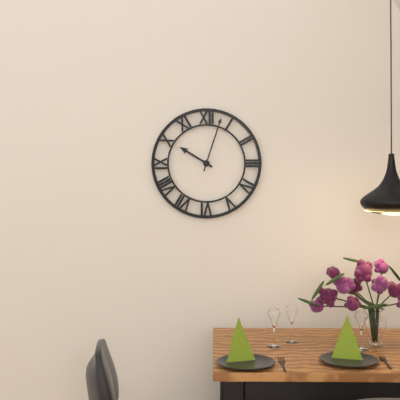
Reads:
h=10 m=3
